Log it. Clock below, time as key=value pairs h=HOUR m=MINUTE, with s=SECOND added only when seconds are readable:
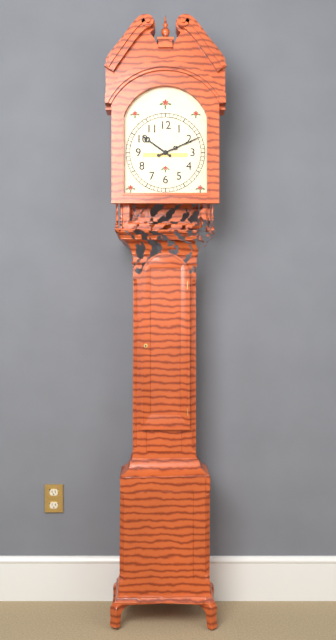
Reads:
h=10 m=11
